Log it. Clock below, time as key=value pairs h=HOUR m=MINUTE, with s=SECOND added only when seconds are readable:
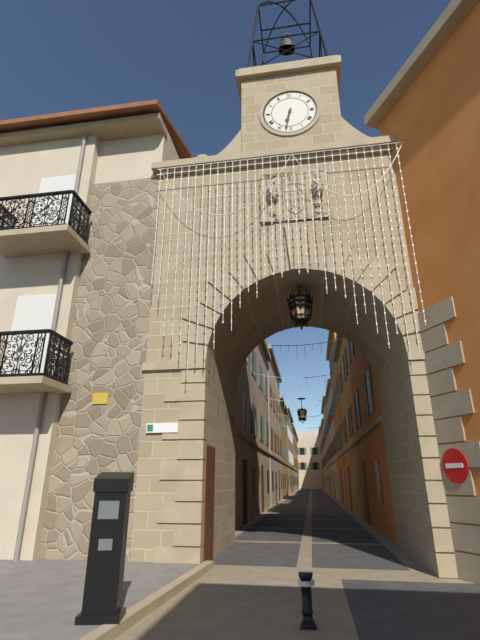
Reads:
h=6 m=32
